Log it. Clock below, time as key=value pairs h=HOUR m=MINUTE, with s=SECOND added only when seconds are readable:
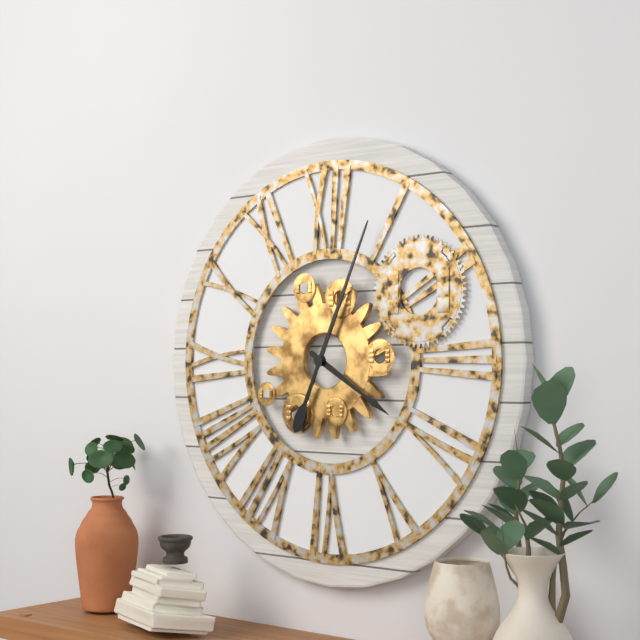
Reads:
h=4 m=4
